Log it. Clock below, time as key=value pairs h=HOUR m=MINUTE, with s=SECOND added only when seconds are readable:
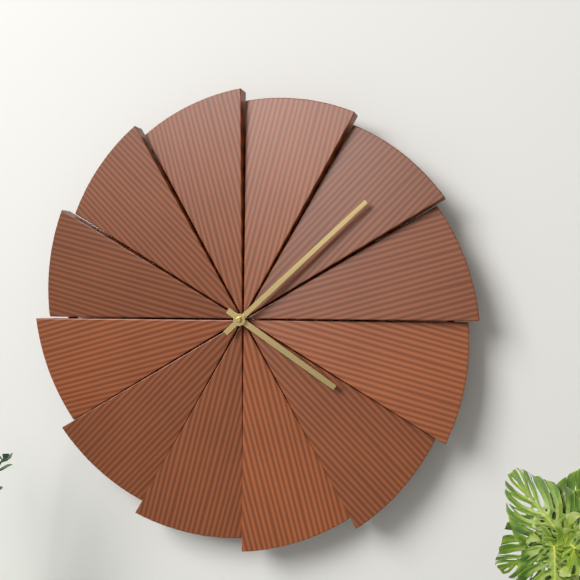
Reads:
h=4 m=8
